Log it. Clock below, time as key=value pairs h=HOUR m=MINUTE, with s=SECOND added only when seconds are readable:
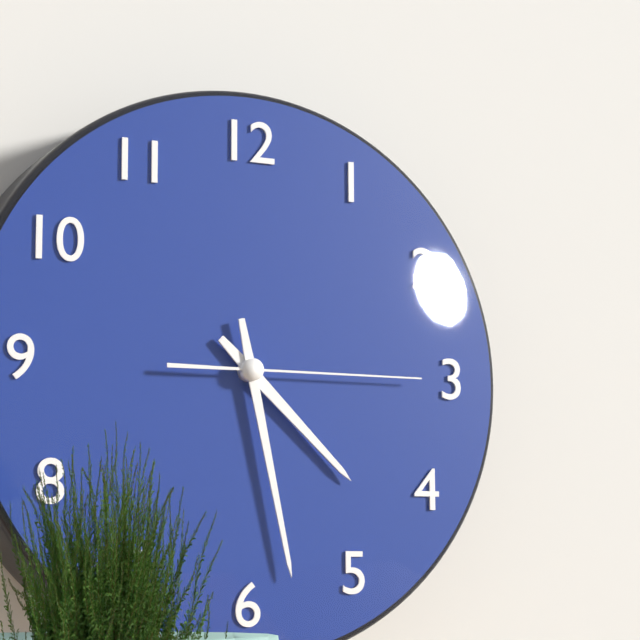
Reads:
h=4 m=28 s=15
